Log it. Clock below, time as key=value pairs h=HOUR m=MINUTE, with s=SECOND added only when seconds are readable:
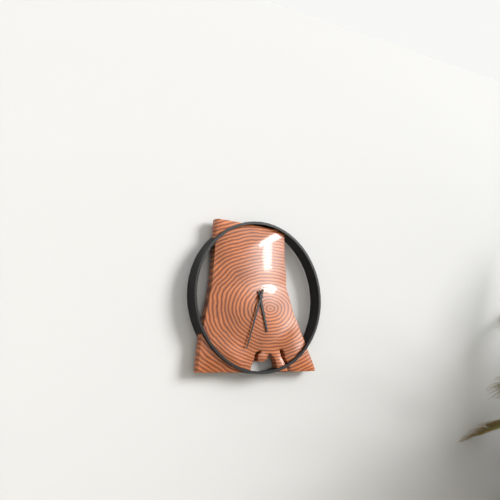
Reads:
h=5 m=33
